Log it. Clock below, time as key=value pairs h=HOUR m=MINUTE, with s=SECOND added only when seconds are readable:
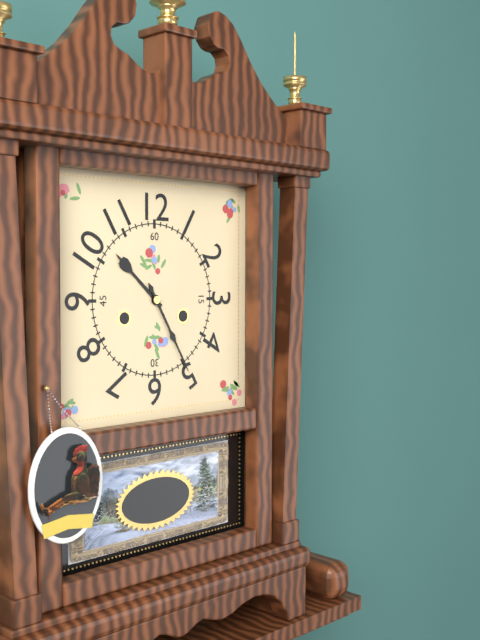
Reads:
h=10 m=25
